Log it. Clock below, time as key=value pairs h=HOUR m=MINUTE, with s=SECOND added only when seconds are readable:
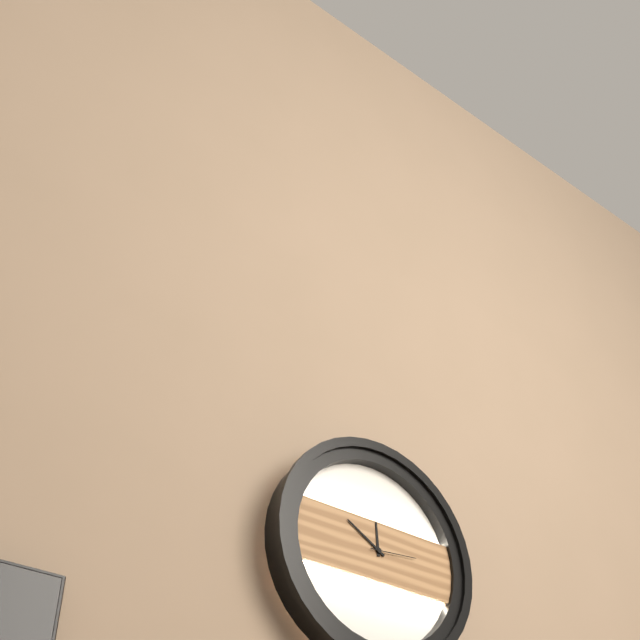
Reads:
h=11 m=50
